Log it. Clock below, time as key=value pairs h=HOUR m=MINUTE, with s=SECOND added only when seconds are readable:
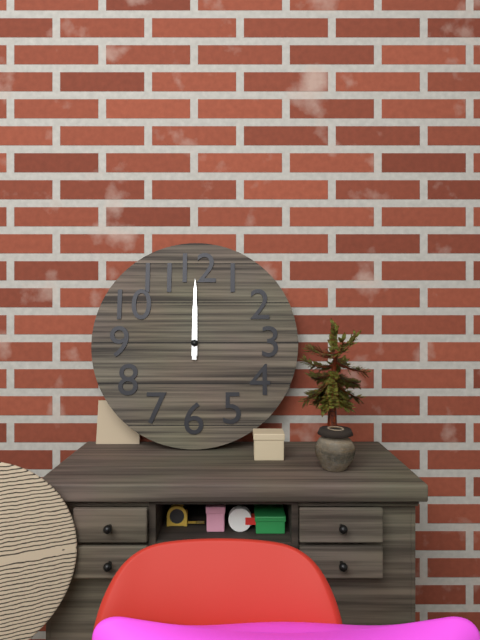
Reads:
h=12 m=0
